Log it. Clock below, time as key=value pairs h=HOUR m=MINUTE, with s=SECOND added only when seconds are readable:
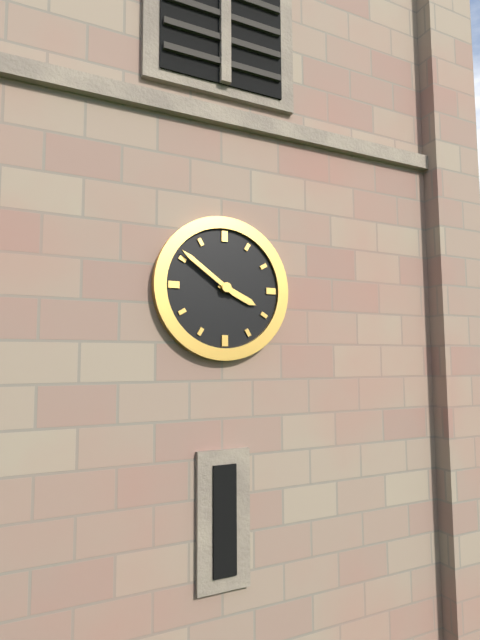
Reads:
h=3 m=51
